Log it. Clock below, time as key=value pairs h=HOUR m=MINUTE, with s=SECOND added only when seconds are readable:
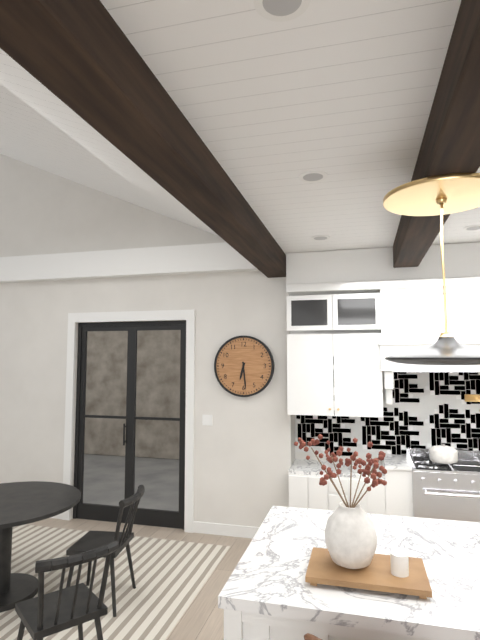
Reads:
h=6 m=29
